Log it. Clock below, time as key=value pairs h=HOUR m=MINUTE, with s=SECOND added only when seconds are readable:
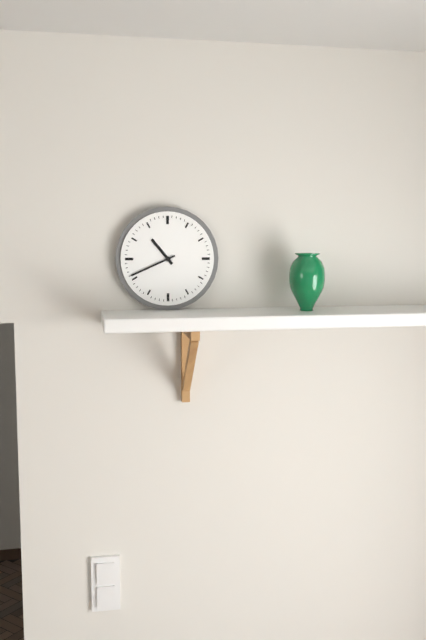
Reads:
h=10 m=41
